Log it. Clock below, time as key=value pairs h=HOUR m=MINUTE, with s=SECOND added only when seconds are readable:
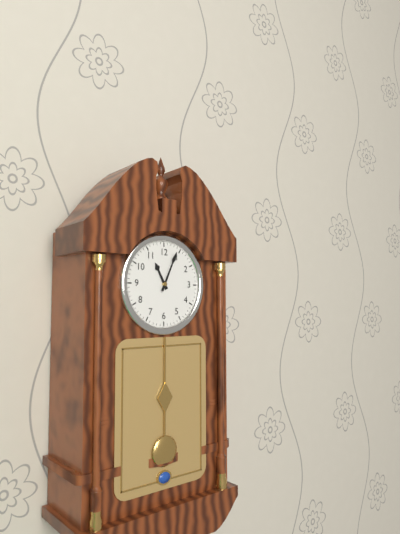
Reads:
h=11 m=4
